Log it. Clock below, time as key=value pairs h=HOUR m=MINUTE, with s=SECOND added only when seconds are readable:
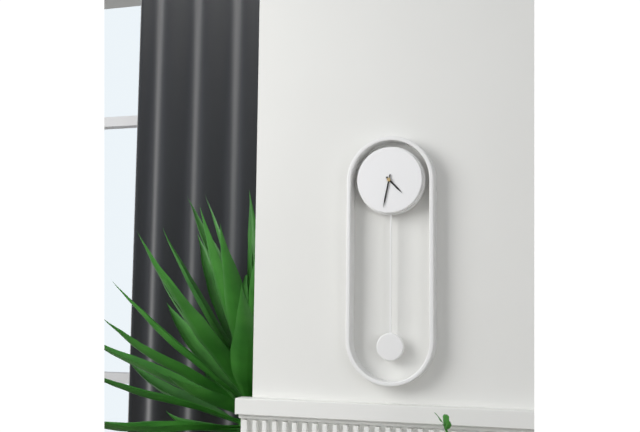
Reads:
h=4 m=32
